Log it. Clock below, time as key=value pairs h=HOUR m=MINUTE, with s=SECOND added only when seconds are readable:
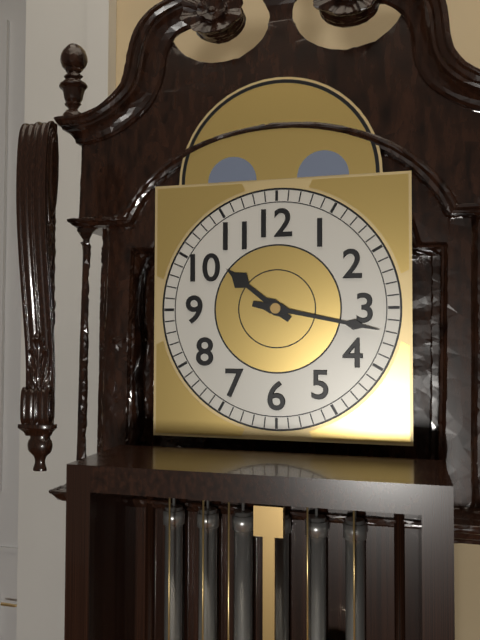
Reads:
h=10 m=17
